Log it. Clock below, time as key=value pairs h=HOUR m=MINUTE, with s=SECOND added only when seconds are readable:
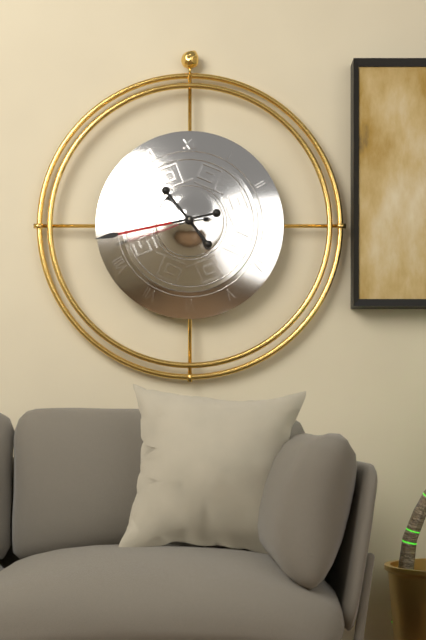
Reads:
h=10 m=43
